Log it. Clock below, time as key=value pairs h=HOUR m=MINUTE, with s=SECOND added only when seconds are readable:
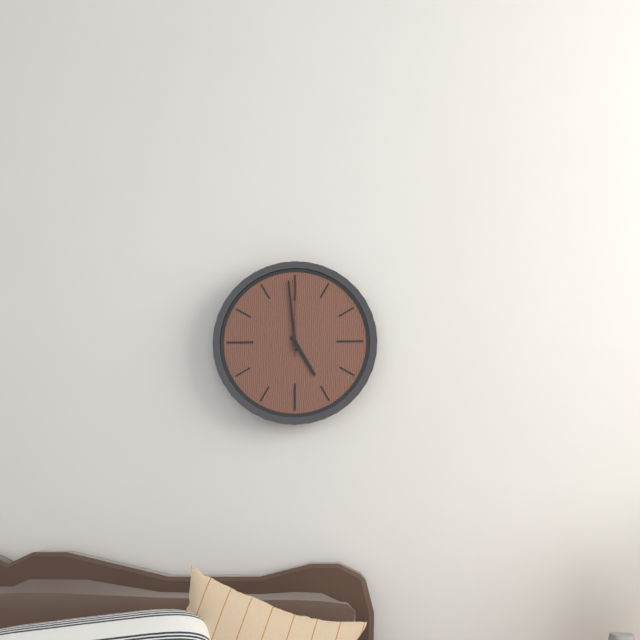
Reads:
h=4 m=59 s=0
